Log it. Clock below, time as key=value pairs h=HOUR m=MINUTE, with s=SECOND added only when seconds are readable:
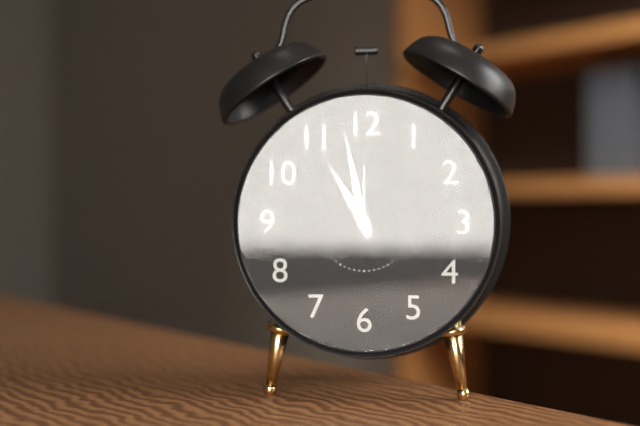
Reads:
h=10 m=58
